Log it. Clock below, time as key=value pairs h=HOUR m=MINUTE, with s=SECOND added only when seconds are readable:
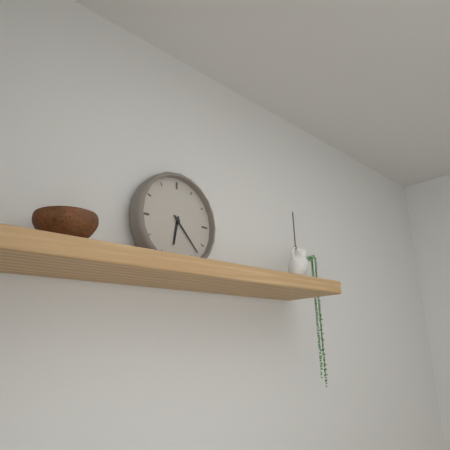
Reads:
h=6 m=23
